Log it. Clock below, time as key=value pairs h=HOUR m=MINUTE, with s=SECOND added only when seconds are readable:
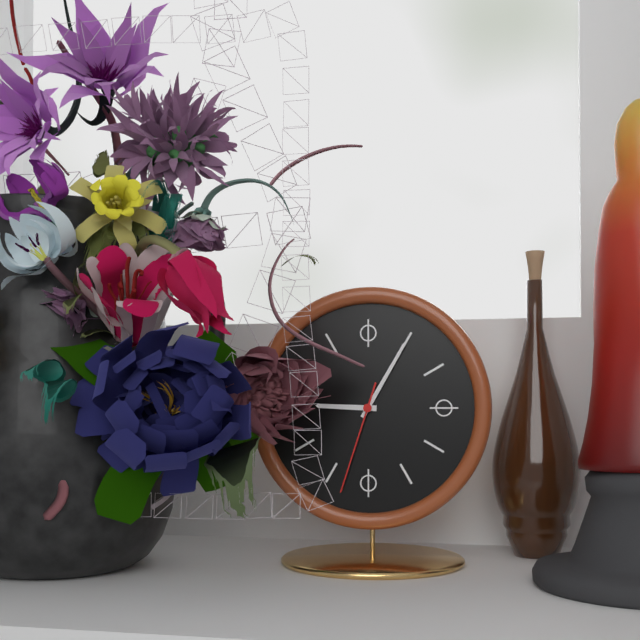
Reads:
h=9 m=5 s=33
